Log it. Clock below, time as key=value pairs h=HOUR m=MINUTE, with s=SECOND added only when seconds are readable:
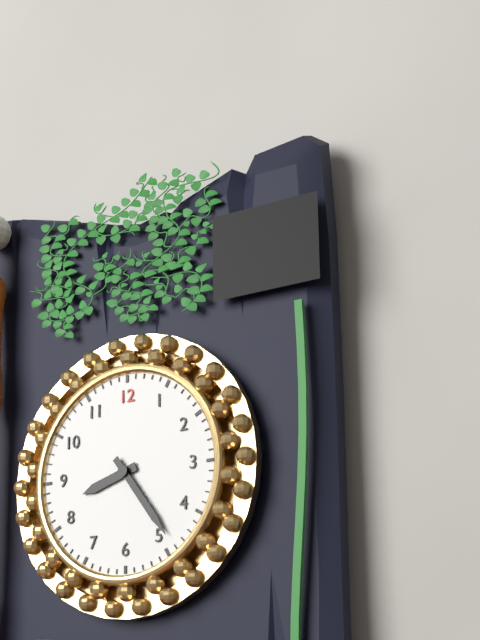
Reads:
h=8 m=24
